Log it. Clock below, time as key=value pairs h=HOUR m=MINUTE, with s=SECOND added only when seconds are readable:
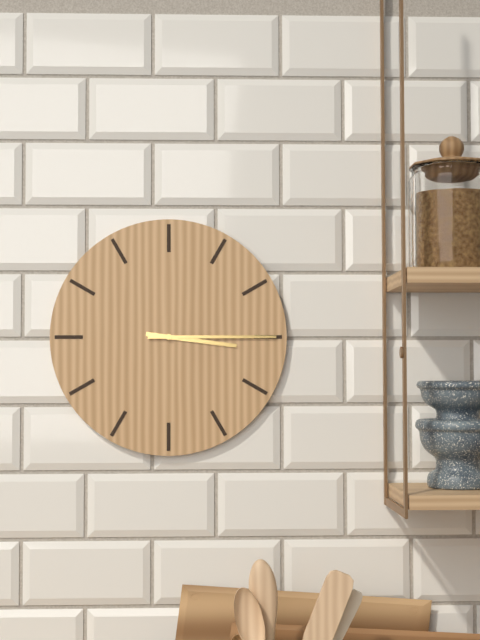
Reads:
h=3 m=15
